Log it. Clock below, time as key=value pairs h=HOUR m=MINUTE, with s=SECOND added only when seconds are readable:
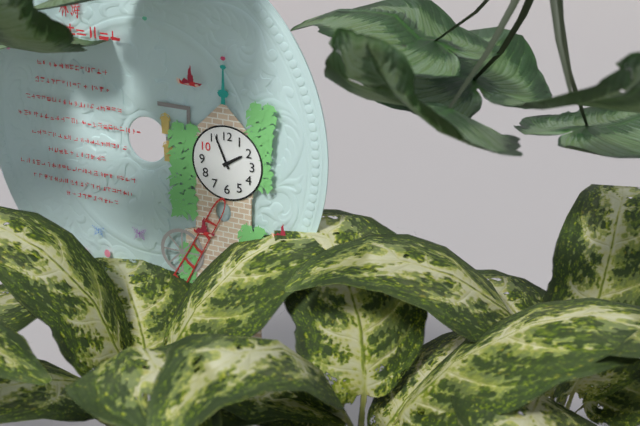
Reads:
h=1 m=56
